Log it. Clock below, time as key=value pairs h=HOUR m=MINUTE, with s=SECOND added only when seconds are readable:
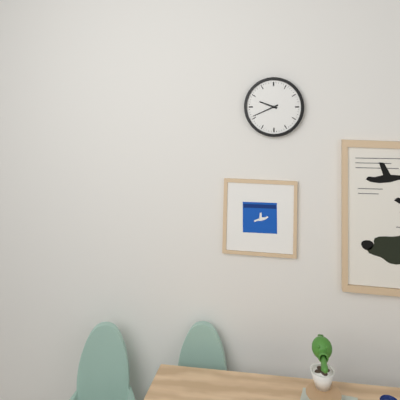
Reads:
h=9 m=41
